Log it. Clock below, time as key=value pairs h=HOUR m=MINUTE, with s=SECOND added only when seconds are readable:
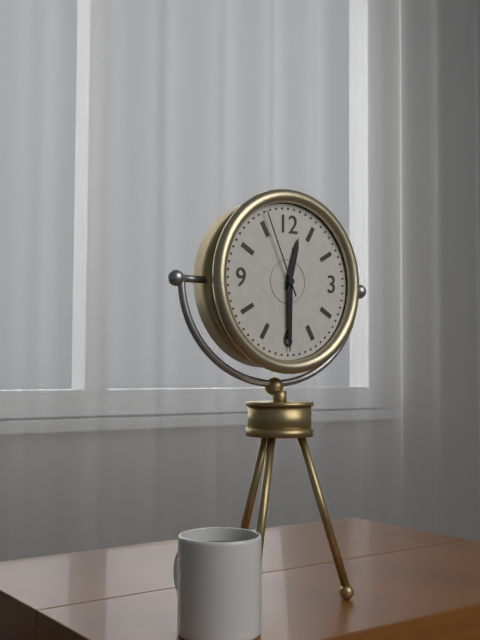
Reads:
h=12 m=30 s=56
